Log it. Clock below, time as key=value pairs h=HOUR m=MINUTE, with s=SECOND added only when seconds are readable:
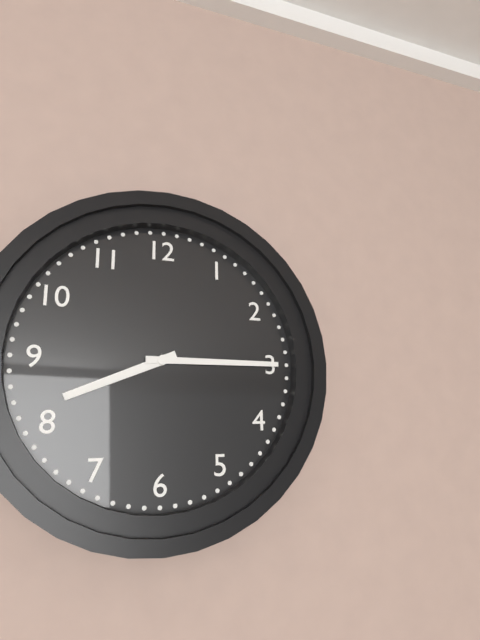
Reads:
h=8 m=15
